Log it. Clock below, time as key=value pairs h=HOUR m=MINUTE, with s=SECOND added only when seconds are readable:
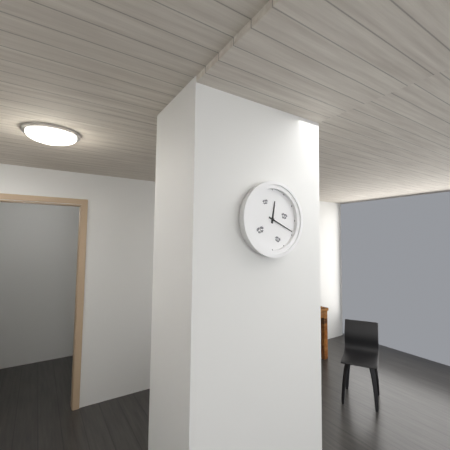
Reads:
h=12 m=19
